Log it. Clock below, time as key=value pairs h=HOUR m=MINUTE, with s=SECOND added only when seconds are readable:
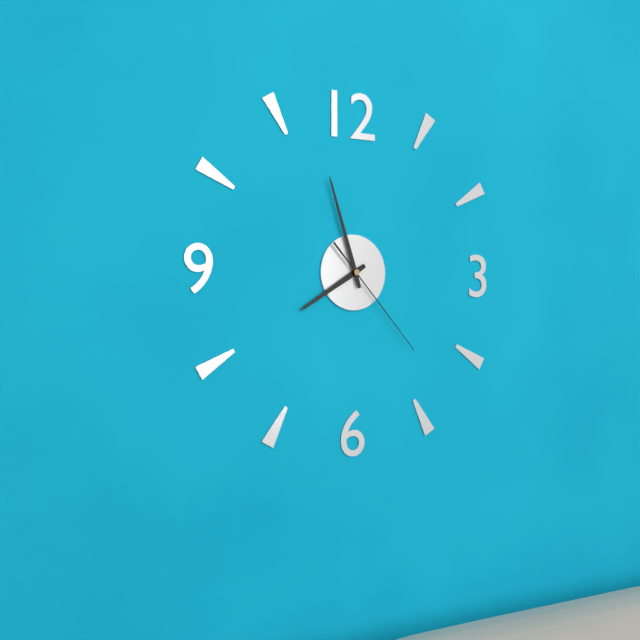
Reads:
h=7 m=57 s=23
